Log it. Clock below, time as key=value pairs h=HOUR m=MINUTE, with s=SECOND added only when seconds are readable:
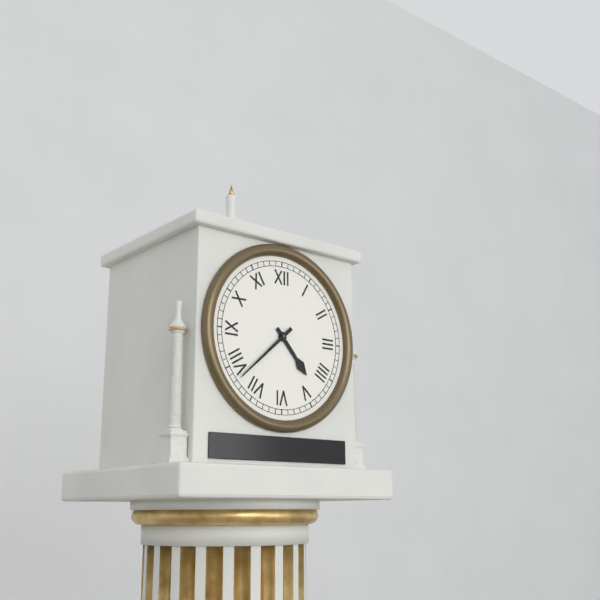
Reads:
h=4 m=38
